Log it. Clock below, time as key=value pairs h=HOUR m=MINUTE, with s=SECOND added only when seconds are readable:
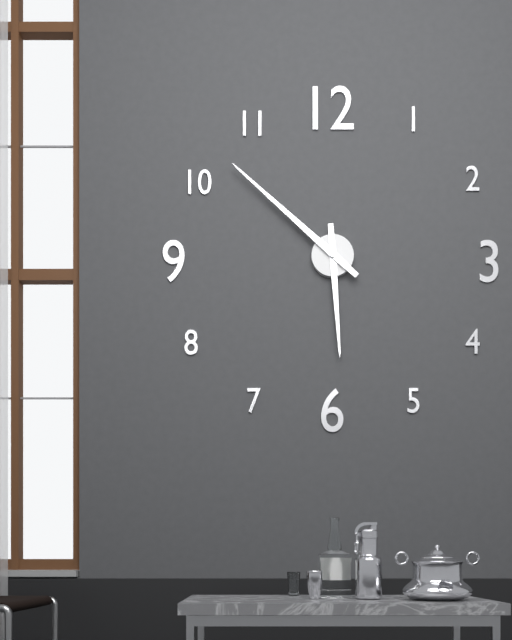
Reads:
h=5 m=52
